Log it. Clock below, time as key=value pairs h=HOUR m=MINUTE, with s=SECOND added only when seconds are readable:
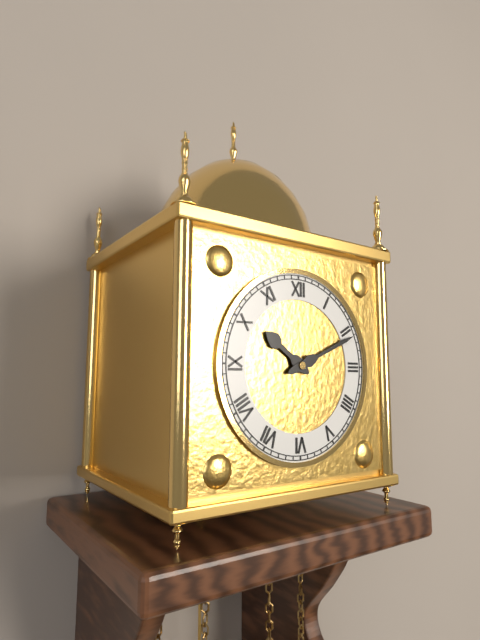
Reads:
h=10 m=11
